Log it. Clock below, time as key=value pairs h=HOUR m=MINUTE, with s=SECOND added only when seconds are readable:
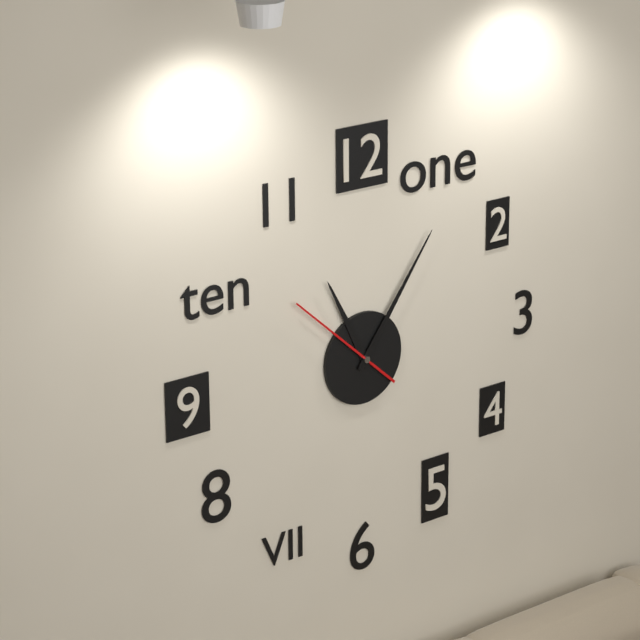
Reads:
h=11 m=6 s=52
